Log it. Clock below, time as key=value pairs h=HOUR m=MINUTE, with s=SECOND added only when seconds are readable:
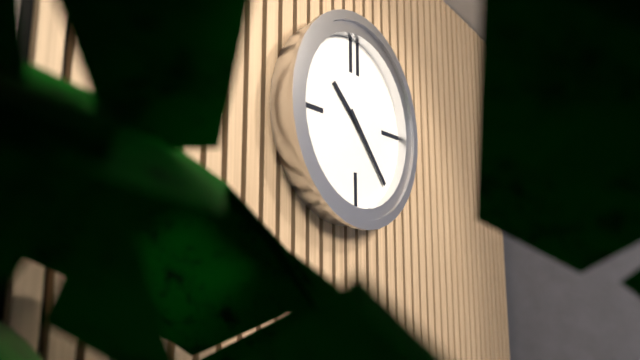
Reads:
h=10 m=23
